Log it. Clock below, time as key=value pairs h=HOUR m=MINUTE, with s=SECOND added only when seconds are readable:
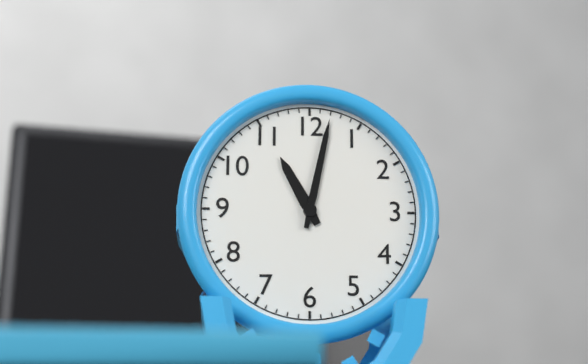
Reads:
h=11 m=2
